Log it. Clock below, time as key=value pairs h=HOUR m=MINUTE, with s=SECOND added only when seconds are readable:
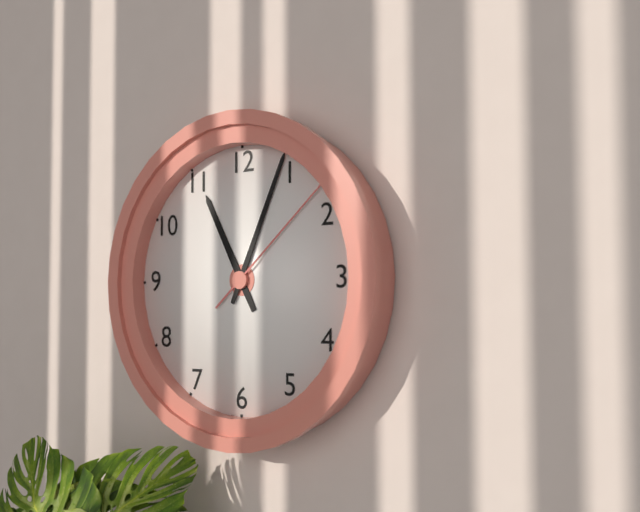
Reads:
h=11 m=4 s=8
